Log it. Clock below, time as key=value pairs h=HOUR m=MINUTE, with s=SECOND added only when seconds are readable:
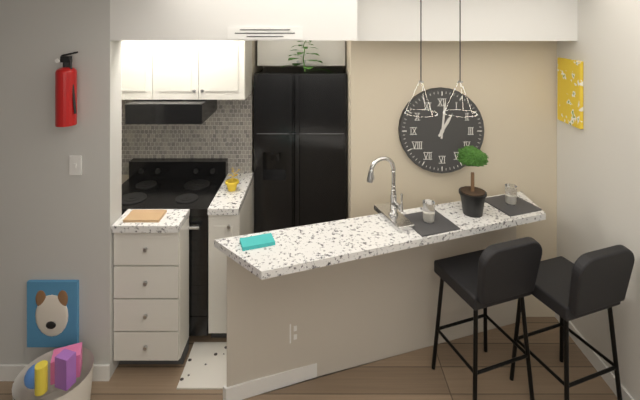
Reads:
h=1 m=1
